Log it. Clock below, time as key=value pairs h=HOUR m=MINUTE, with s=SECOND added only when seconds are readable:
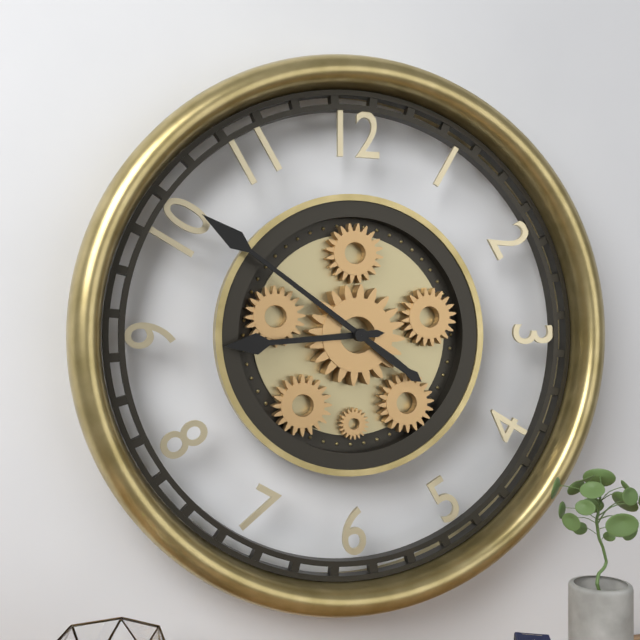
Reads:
h=8 m=51
